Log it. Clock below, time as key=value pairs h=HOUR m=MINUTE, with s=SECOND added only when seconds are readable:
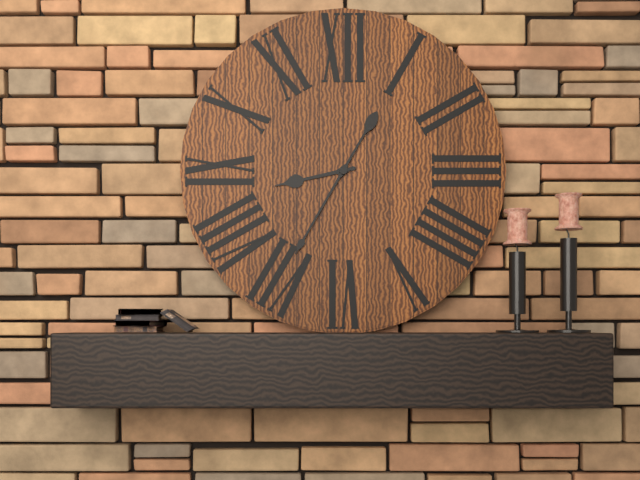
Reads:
h=8 m=35
